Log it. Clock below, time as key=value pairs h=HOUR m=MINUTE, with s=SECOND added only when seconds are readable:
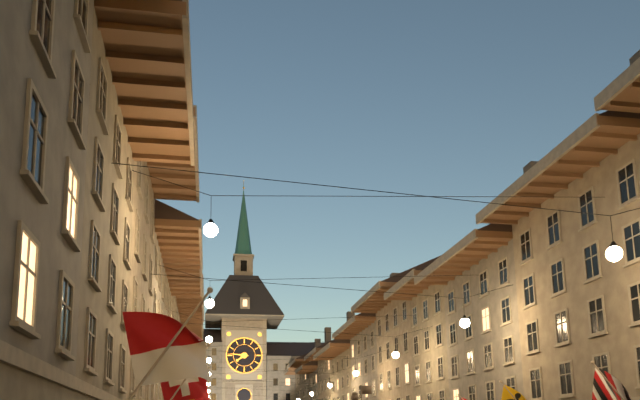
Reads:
h=7 m=46
